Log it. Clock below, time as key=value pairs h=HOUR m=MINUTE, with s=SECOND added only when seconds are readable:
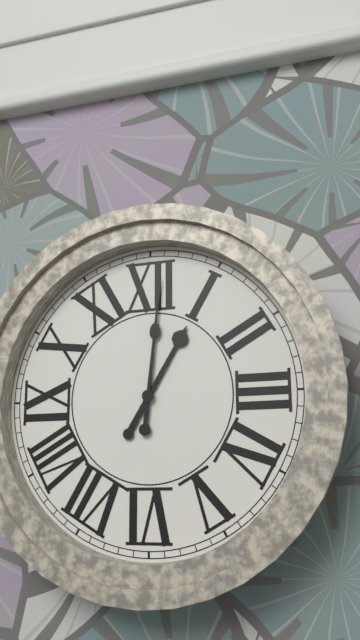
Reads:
h=1 m=1
